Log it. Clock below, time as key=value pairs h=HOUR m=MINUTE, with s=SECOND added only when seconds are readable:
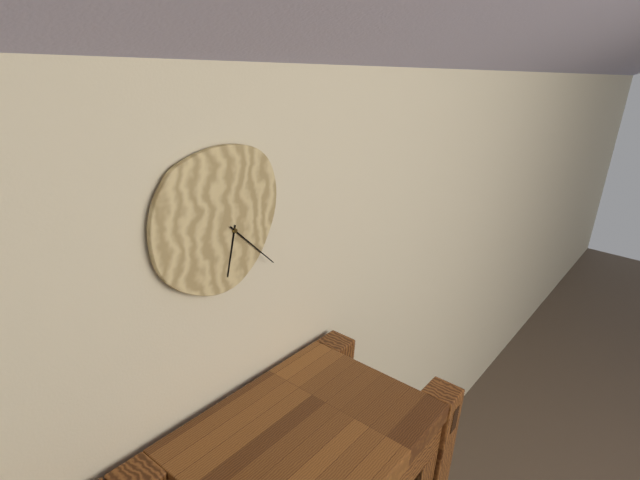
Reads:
h=6 m=22
